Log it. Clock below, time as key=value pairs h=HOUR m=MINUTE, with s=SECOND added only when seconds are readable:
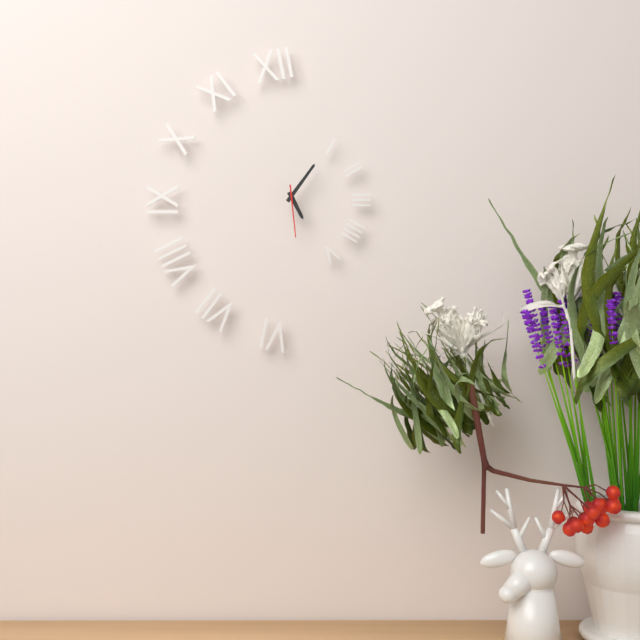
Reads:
h=5 m=6 s=29
